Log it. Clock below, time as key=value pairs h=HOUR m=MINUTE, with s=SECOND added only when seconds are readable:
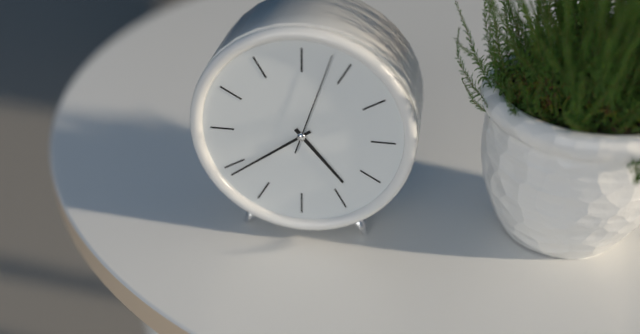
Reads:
h=4 m=39 s=3
